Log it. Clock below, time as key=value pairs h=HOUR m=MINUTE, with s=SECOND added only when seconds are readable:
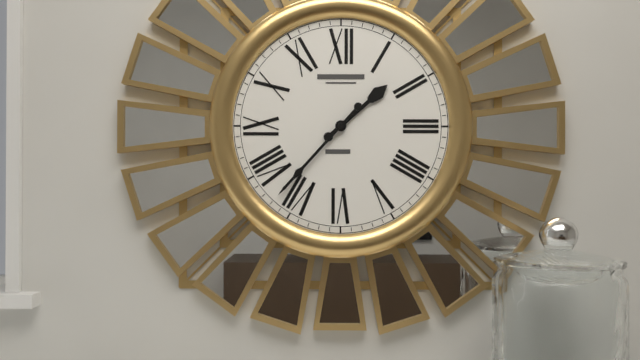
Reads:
h=1 m=37
